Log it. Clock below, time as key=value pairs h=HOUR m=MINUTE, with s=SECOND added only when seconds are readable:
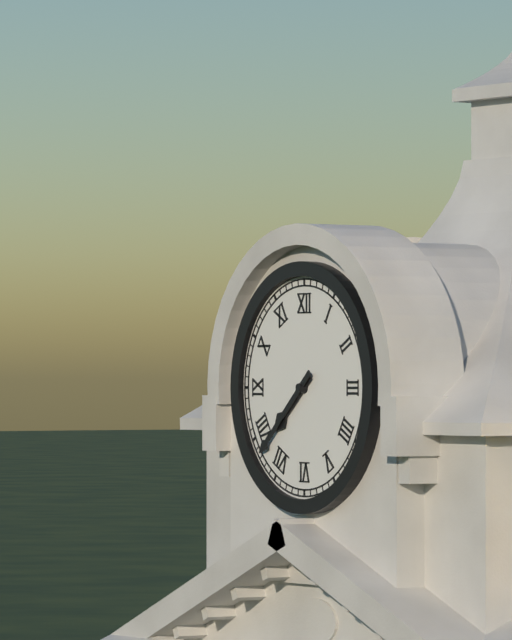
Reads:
h=7 m=38
